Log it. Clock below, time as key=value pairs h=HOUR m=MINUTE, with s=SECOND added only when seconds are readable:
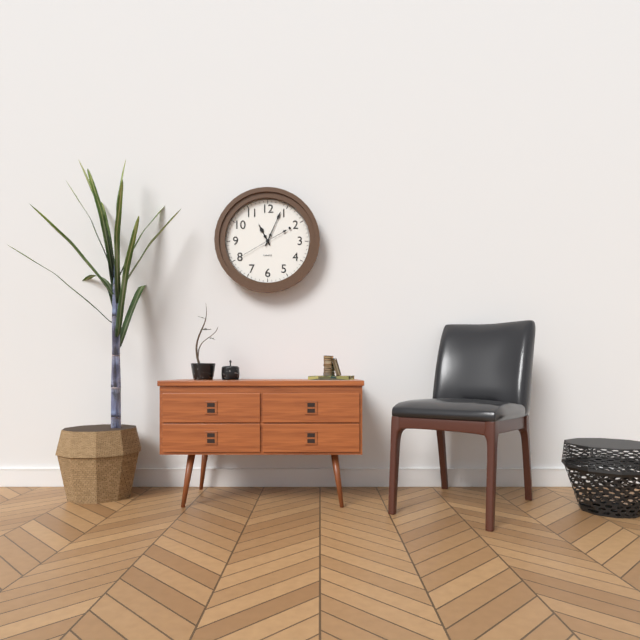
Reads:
h=11 m=4
